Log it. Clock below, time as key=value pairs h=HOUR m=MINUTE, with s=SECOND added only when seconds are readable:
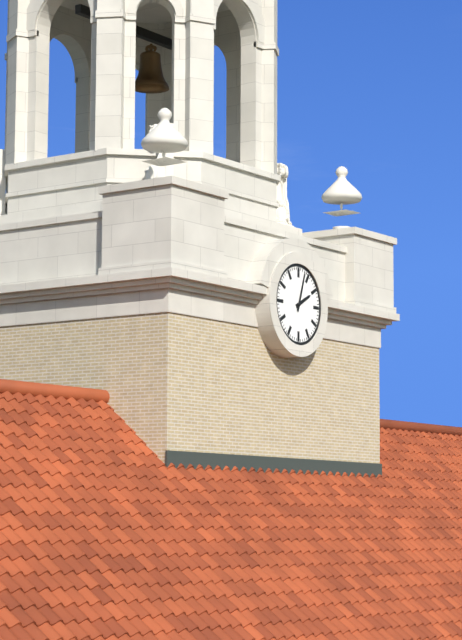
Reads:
h=2 m=3
